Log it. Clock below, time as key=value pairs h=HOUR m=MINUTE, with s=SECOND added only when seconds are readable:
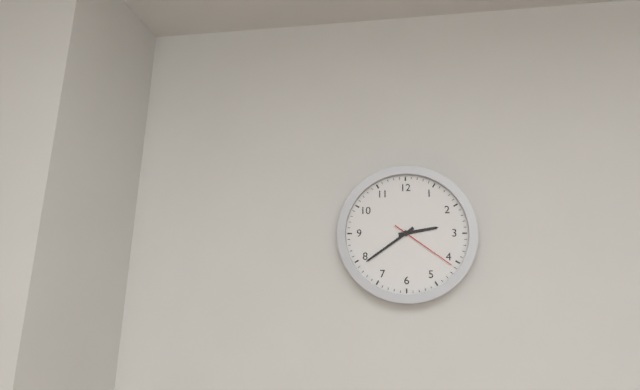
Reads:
h=2 m=39 s=21
